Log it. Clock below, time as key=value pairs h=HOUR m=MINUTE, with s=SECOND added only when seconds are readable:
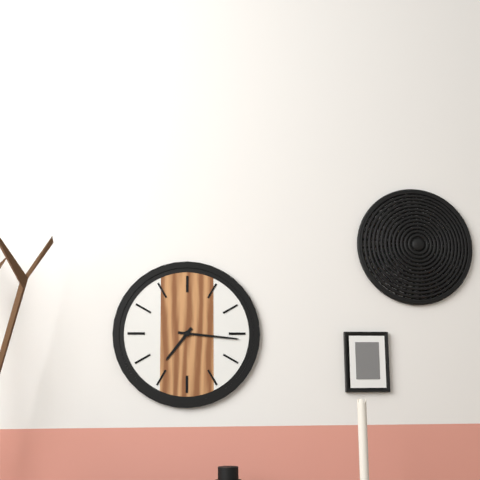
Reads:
h=7 m=16
